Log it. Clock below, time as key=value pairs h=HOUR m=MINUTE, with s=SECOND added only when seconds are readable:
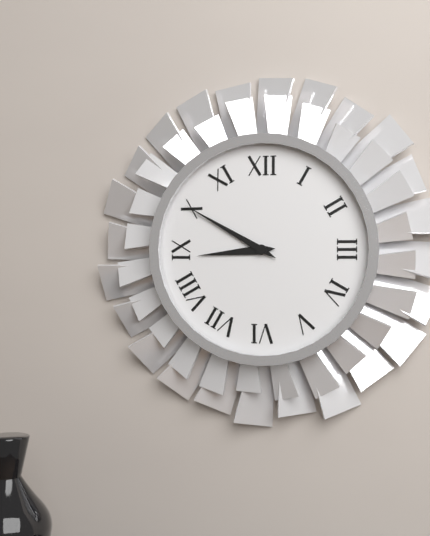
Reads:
h=8 m=50
